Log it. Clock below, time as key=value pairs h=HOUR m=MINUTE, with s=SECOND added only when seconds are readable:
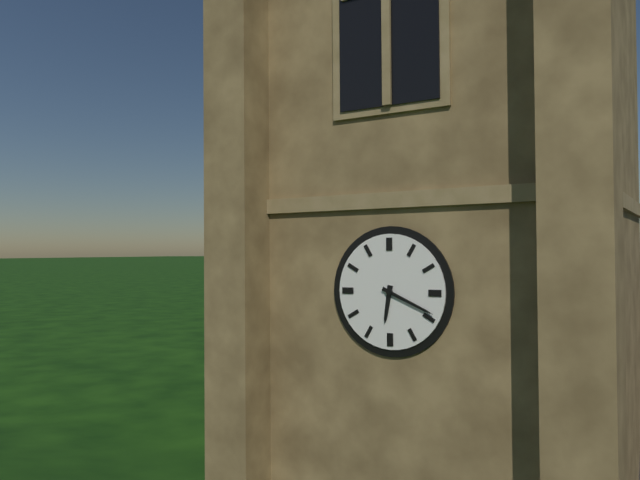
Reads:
h=6 m=19
